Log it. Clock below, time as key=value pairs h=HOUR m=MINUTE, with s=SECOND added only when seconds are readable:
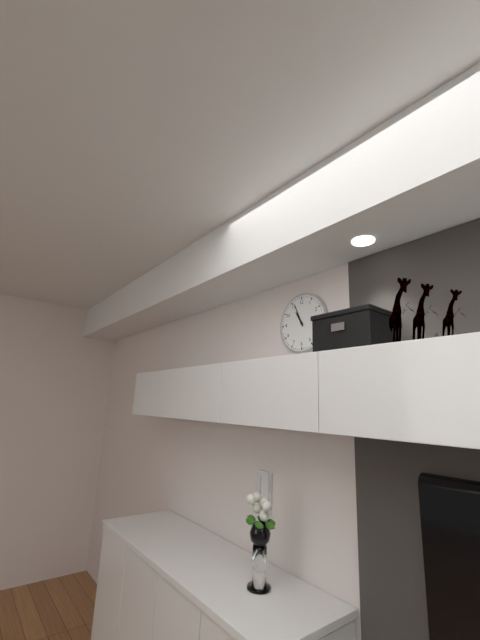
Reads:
h=10 m=56
